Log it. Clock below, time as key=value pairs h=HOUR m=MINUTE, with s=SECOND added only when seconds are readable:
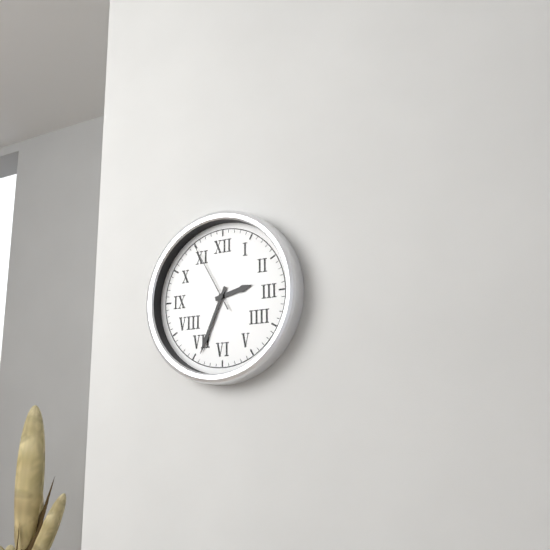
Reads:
h=2 m=34 s=55
